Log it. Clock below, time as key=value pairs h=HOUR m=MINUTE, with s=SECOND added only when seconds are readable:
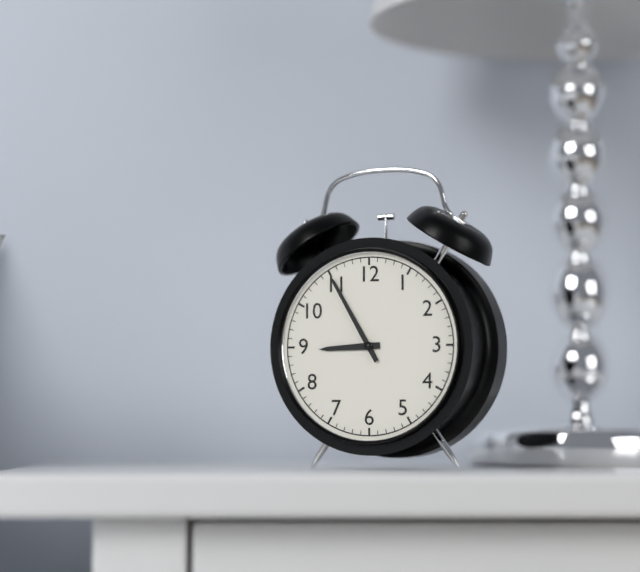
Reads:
h=8 m=55
